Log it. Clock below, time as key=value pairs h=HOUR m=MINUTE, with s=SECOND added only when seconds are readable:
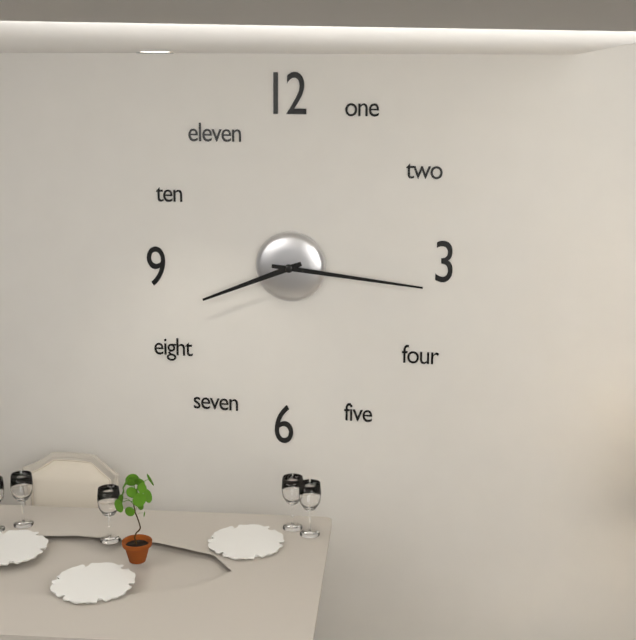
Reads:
h=8 m=16
